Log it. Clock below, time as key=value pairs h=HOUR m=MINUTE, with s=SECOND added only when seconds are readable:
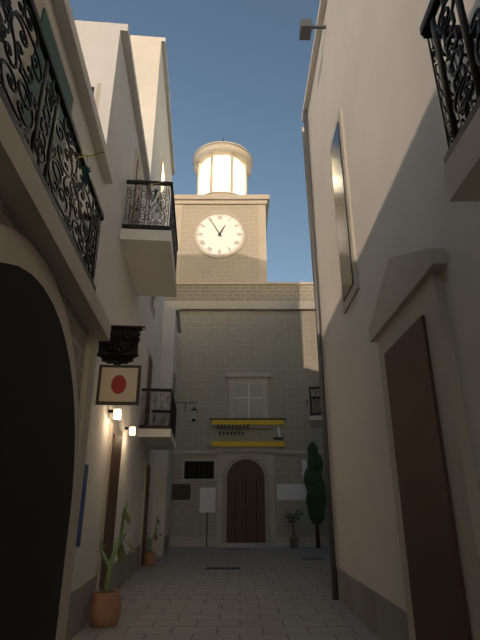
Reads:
h=12 m=55
